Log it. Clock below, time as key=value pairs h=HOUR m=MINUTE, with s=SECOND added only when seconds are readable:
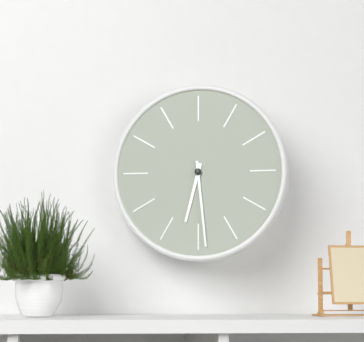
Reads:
h=6 m=29
